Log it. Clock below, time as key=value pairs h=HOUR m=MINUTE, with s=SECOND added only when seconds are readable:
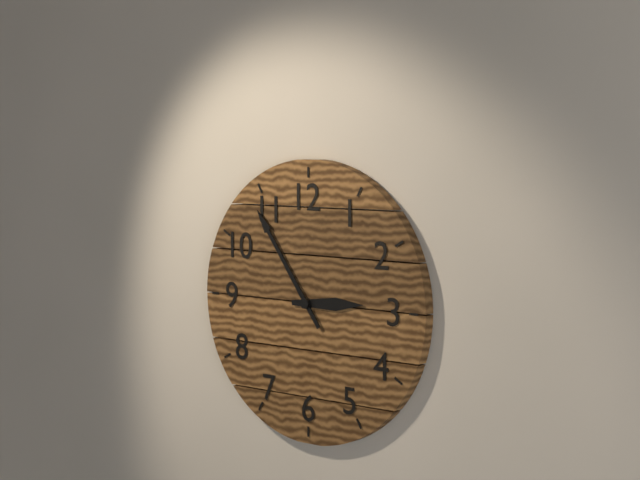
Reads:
h=2 m=54
